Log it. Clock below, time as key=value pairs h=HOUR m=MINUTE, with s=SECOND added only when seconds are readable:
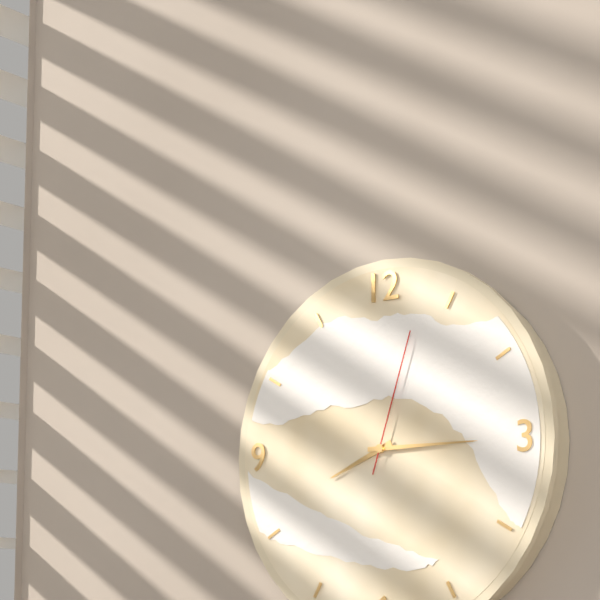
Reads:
h=8 m=15 s=3
